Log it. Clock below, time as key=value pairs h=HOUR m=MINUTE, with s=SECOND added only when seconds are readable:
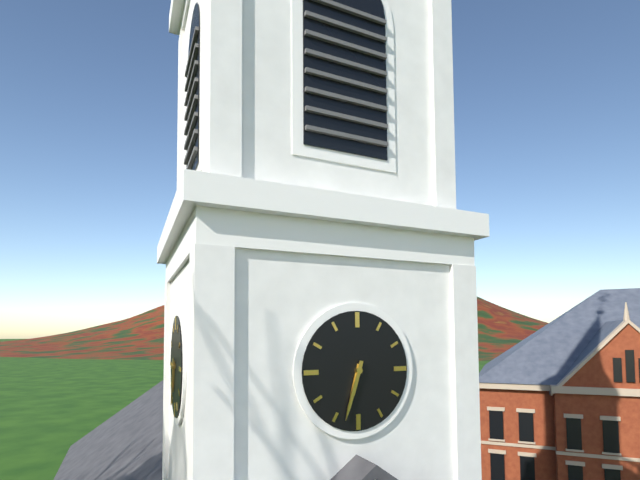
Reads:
h=6 m=33
